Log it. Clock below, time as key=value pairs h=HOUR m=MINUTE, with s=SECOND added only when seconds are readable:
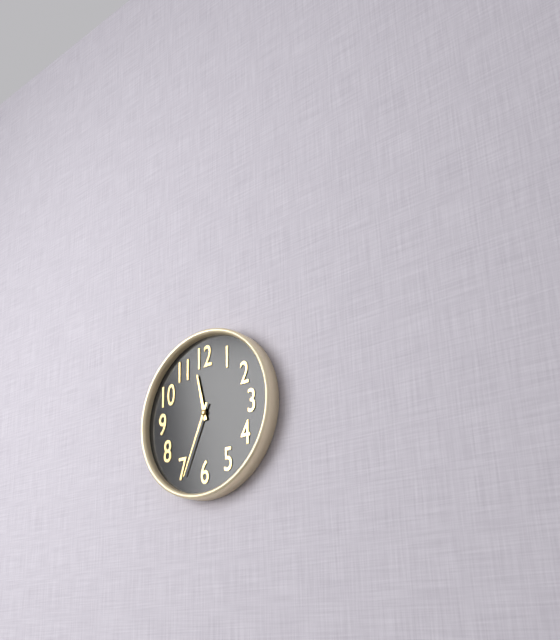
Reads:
h=11 m=34
